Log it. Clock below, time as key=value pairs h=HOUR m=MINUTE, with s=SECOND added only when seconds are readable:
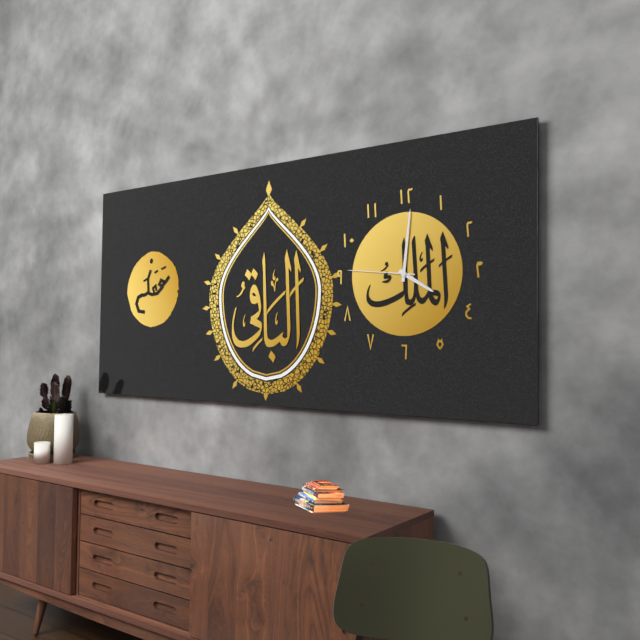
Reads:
h=4 m=1 s=46
